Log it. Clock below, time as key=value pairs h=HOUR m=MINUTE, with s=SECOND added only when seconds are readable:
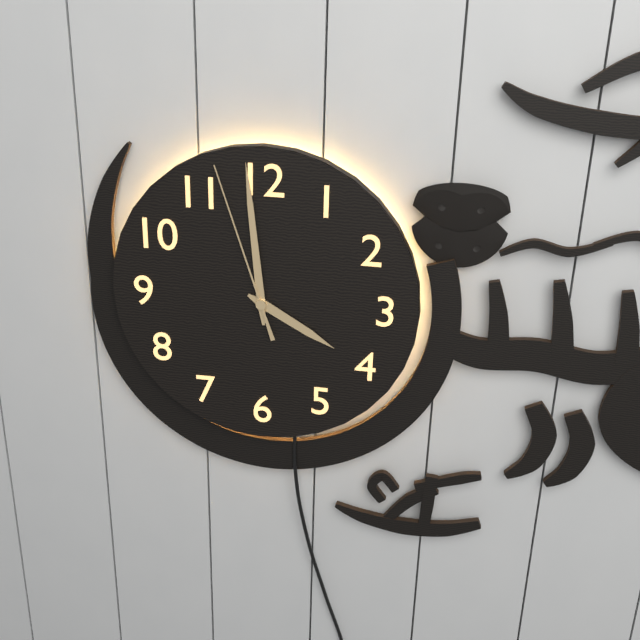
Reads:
h=3 m=59 s=57
